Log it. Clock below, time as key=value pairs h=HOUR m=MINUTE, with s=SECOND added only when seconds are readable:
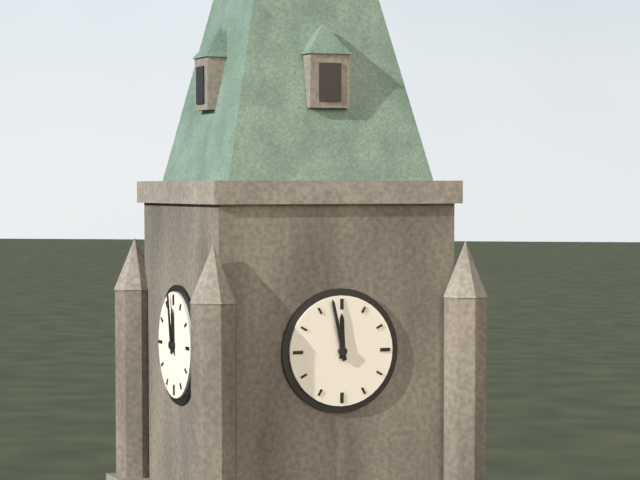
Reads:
h=11 m=58
